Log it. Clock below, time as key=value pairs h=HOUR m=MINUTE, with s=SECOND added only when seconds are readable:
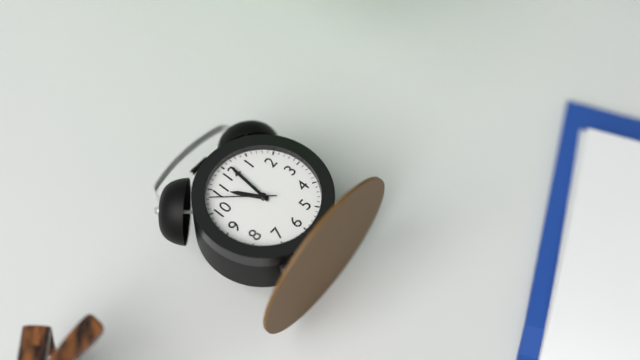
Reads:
h=11 m=1 s=53
